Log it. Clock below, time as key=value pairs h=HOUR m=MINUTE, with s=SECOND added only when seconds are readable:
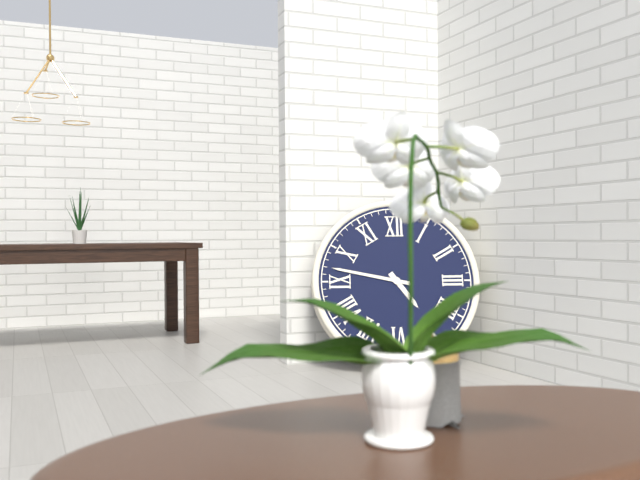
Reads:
h=4 m=47
